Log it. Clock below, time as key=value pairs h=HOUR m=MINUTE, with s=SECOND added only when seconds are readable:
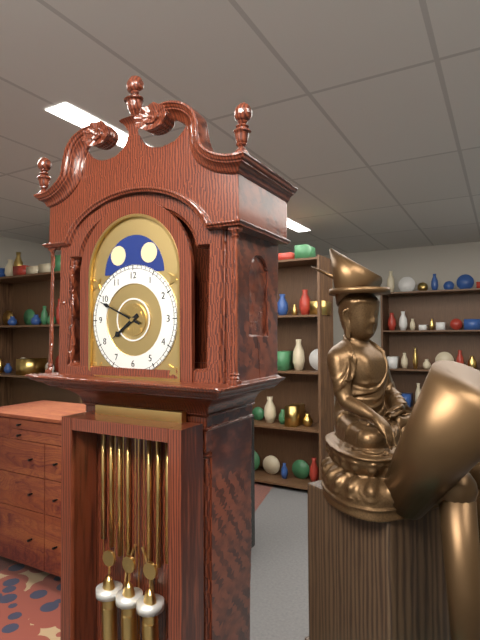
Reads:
h=7 m=49
